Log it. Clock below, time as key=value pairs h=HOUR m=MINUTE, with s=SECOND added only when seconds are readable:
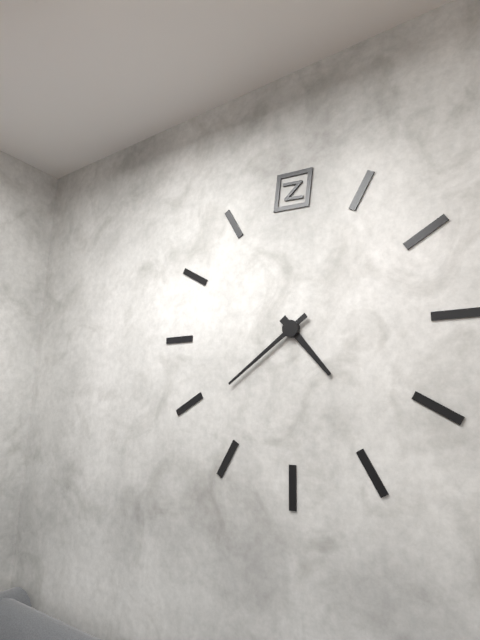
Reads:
h=4 m=39
